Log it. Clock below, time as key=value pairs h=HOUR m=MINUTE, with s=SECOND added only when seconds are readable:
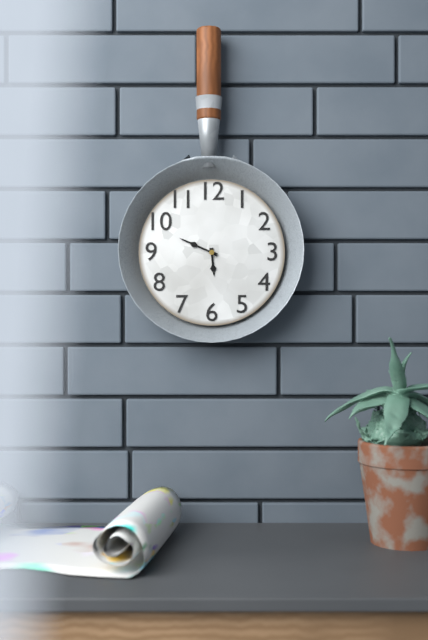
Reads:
h=5 m=49
